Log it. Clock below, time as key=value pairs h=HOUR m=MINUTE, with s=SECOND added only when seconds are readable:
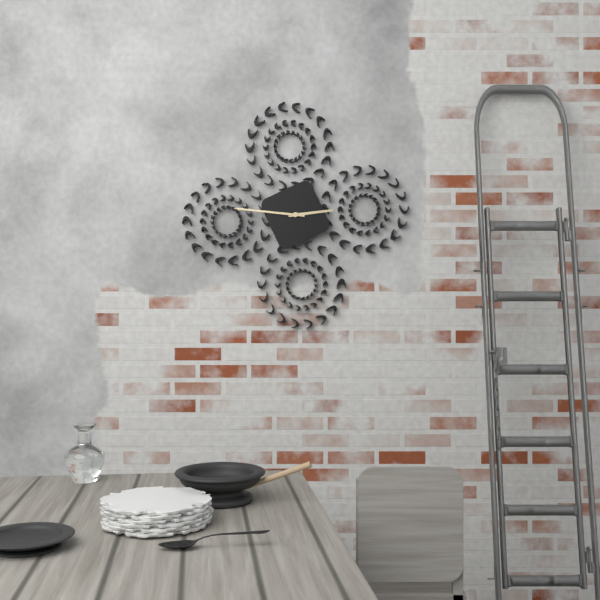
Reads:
h=2 m=46
